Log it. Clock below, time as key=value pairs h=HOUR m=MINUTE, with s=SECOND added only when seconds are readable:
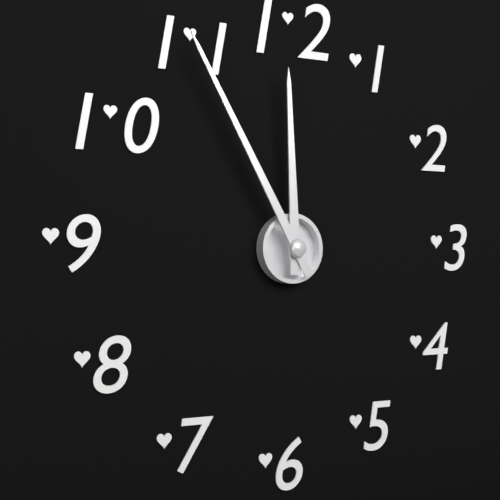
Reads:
h=11 m=55
